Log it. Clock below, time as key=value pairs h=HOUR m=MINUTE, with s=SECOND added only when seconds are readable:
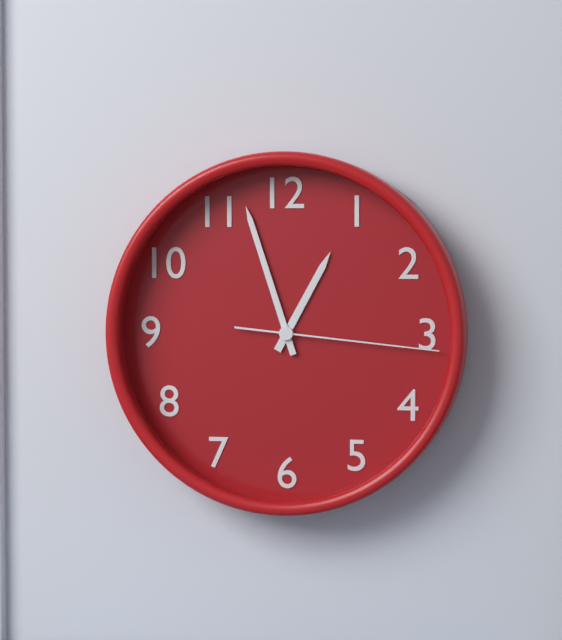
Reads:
h=12 m=57 s=16
